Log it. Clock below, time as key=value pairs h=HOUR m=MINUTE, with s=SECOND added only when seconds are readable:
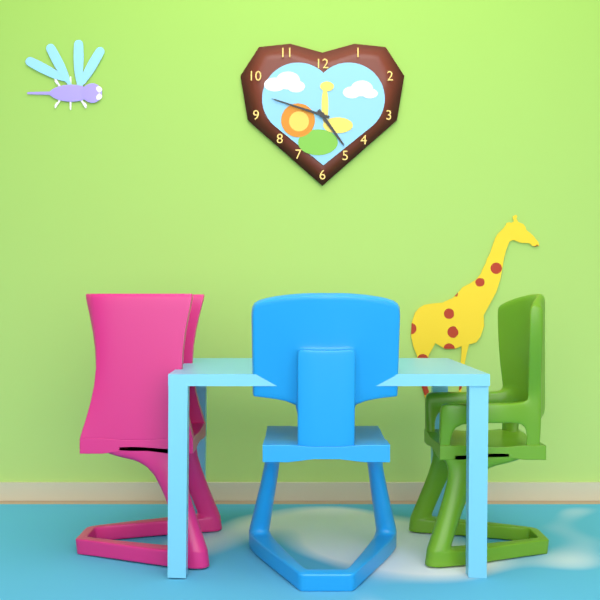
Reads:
h=4 m=48
